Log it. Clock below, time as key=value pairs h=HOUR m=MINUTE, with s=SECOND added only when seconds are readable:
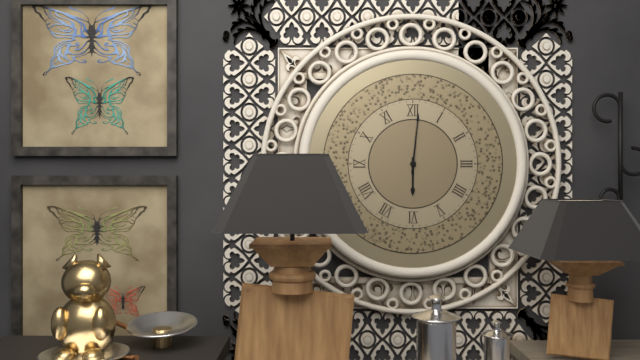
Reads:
h=6 m=1
